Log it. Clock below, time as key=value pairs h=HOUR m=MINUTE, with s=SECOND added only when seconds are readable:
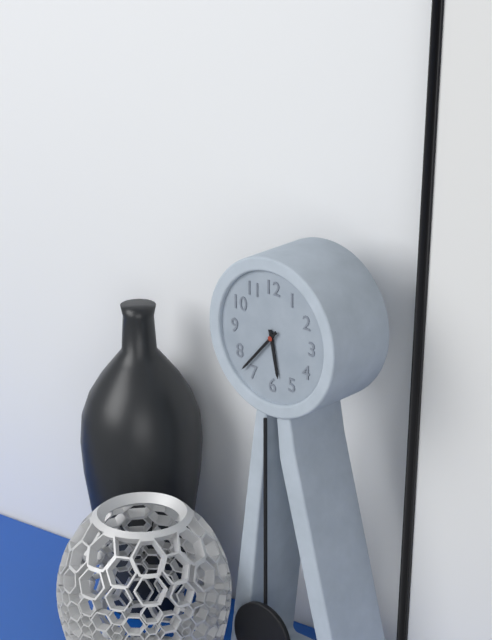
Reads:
h=5 m=37
